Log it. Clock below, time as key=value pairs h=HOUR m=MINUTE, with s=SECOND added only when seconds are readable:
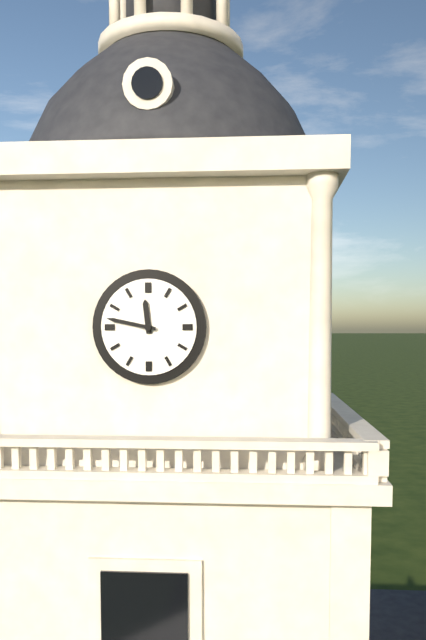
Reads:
h=11 m=47
